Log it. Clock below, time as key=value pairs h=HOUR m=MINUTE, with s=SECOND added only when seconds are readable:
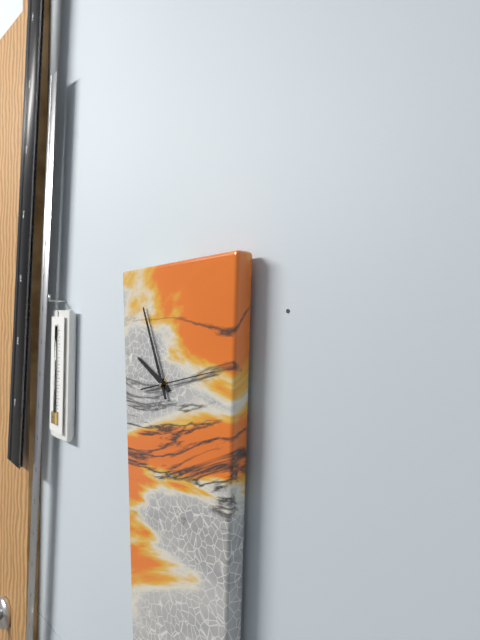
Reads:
h=9 m=56 s=13
